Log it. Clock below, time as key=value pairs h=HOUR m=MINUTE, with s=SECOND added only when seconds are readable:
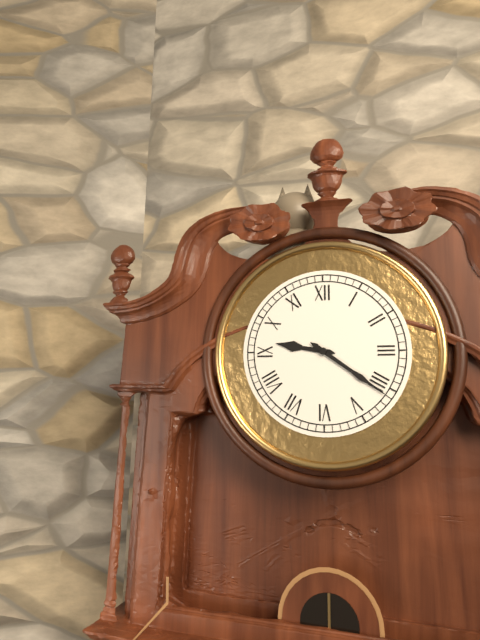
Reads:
h=9 m=21
